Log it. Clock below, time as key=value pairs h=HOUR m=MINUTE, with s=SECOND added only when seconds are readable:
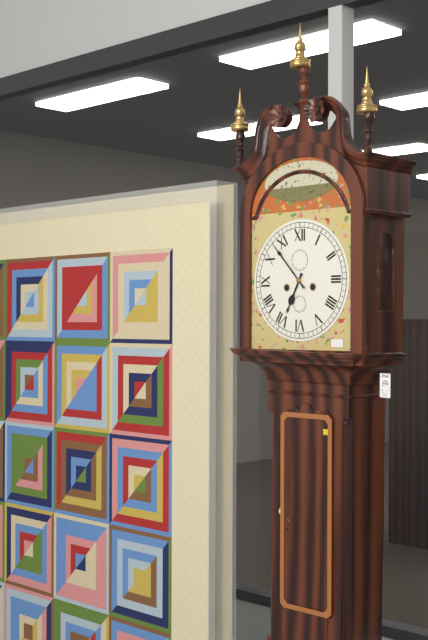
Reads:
h=6 m=53
